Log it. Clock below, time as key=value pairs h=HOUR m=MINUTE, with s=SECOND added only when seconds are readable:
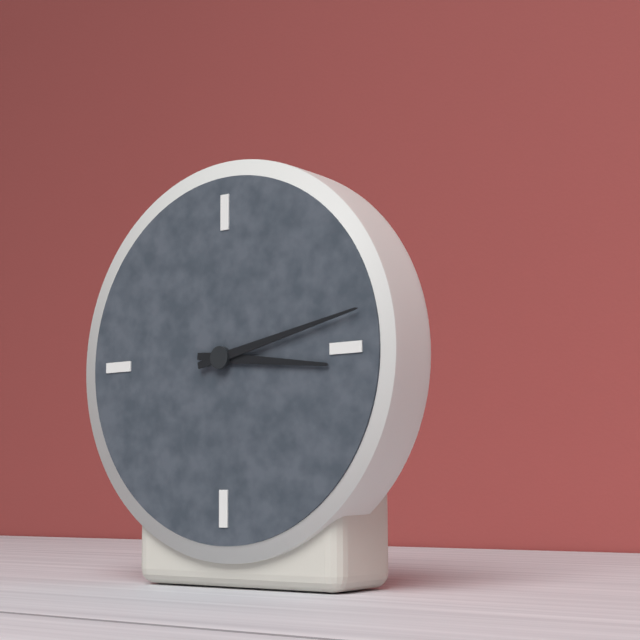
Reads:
h=3 m=13
